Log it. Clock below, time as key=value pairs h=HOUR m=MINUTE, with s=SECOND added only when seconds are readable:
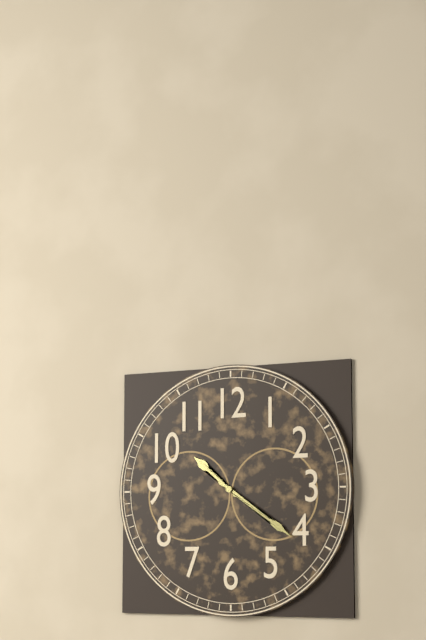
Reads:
h=10 m=21
